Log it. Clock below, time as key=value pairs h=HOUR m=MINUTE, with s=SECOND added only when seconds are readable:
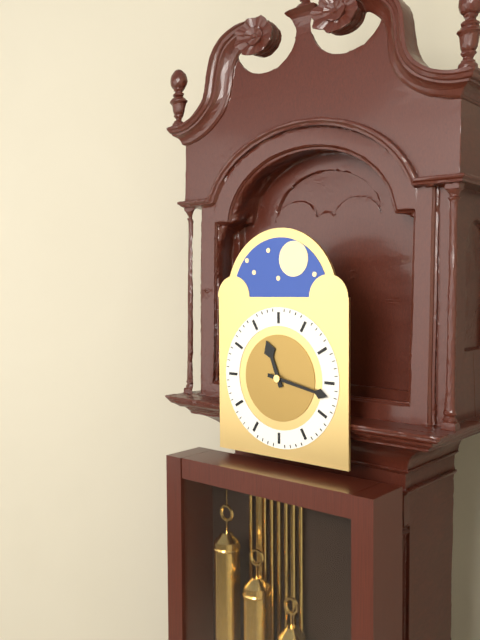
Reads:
h=11 m=17
